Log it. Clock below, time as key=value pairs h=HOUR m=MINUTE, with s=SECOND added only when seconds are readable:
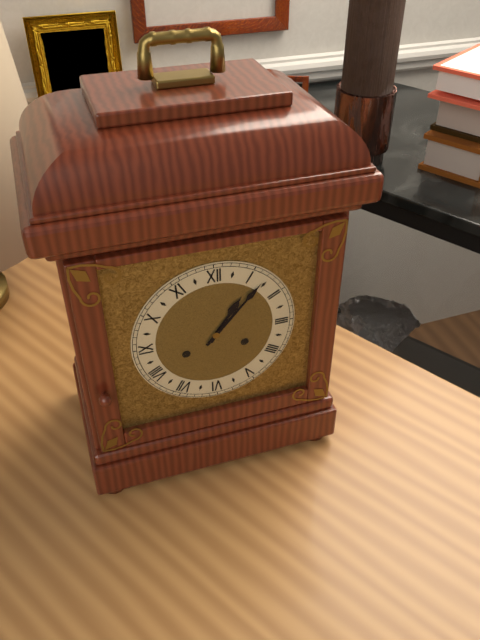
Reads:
h=1 m=7
